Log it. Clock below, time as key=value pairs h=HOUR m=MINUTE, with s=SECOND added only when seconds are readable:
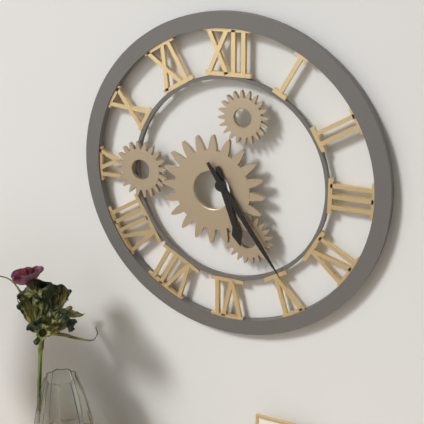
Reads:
h=5 m=24
